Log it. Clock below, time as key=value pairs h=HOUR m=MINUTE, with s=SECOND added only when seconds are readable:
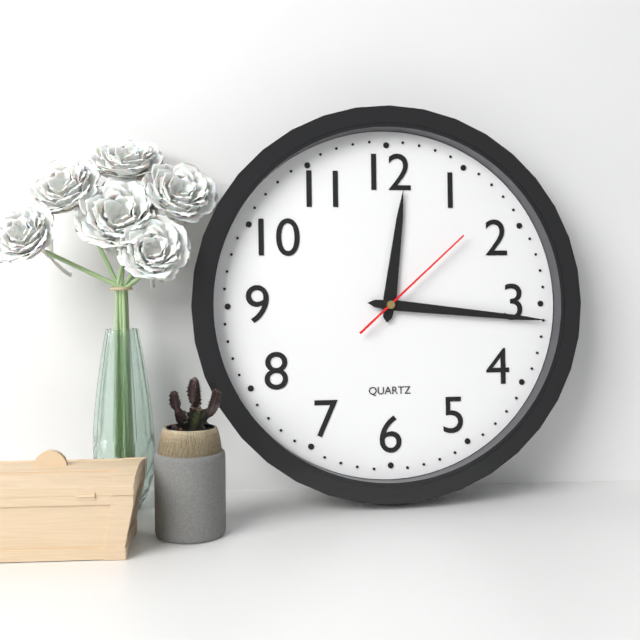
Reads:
h=12 m=16 s=8
